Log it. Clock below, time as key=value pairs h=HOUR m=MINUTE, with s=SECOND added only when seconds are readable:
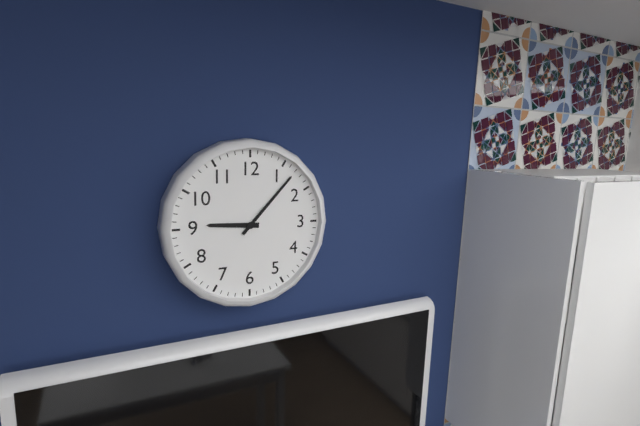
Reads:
h=9 m=7
